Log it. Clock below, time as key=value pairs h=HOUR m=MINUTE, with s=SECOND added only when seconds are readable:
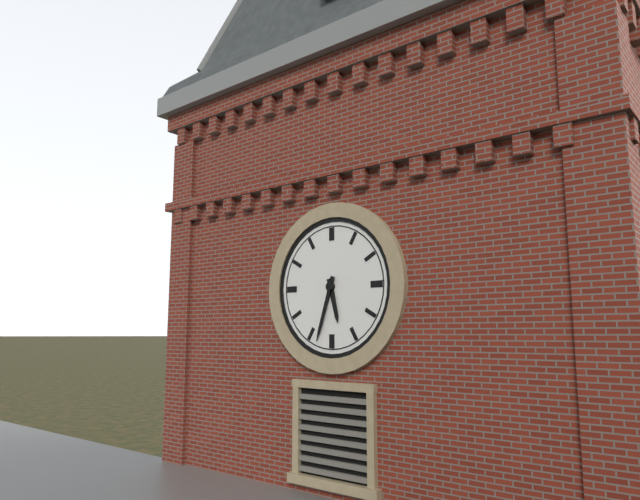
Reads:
h=5 m=33
